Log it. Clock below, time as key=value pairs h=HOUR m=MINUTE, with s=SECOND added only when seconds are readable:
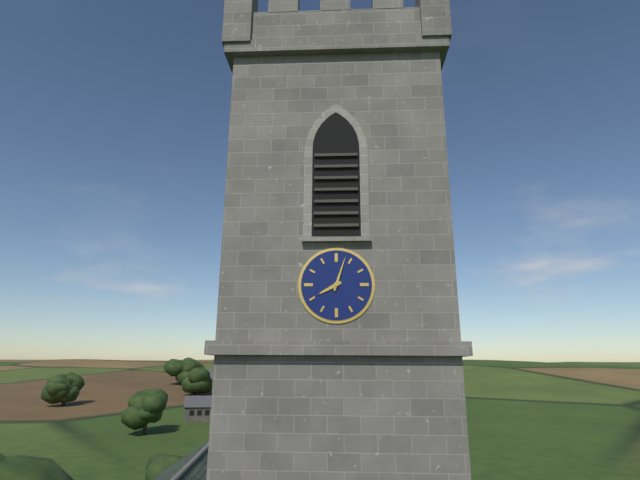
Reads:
h=8 m=3
